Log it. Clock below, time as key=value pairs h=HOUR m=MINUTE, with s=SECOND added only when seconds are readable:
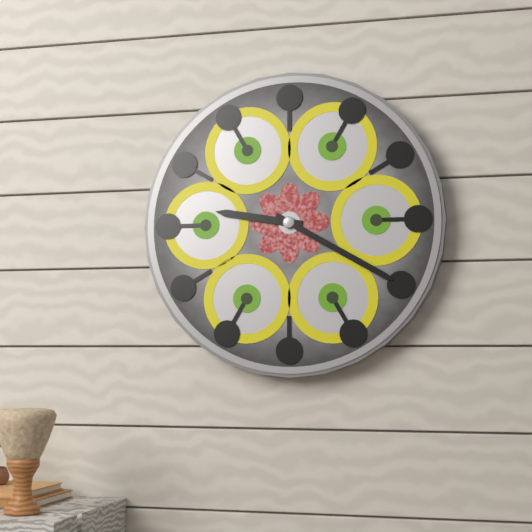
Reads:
h=9 m=20
